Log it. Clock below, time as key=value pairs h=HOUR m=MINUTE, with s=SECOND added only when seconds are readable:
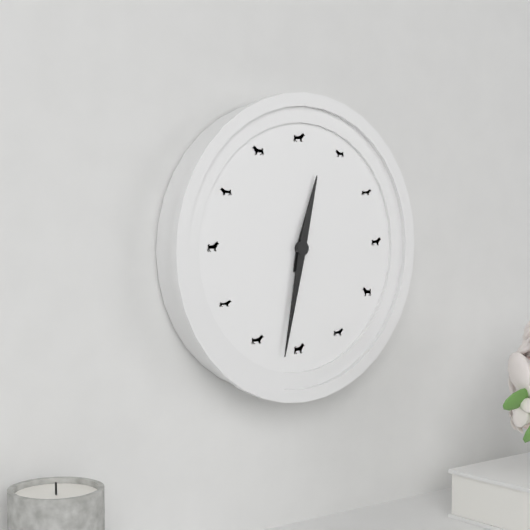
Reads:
h=12 m=32
